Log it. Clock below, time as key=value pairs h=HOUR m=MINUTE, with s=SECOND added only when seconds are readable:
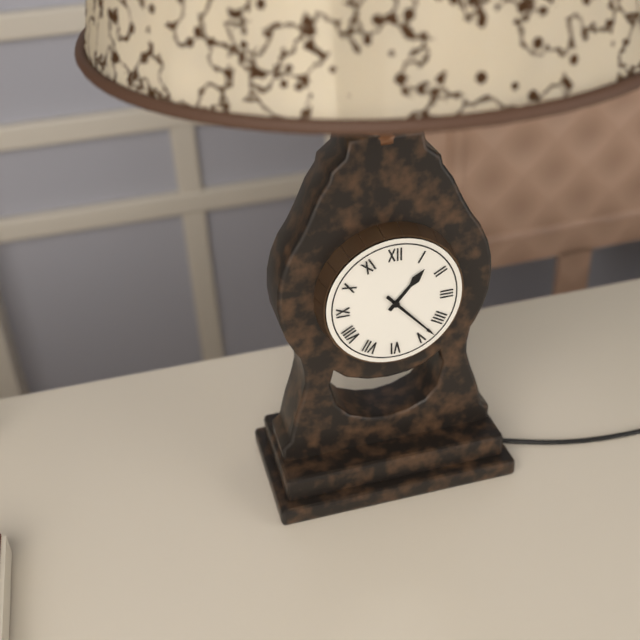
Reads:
h=1 m=23
